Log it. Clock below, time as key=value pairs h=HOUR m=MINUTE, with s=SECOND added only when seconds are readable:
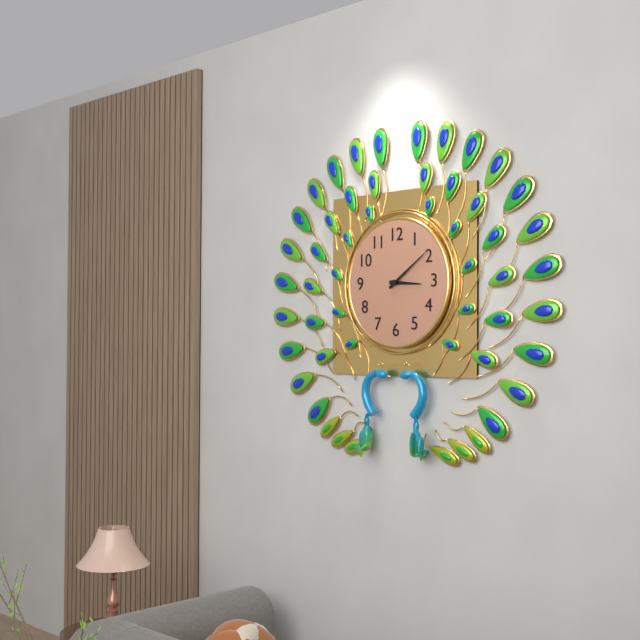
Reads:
h=3 m=9
